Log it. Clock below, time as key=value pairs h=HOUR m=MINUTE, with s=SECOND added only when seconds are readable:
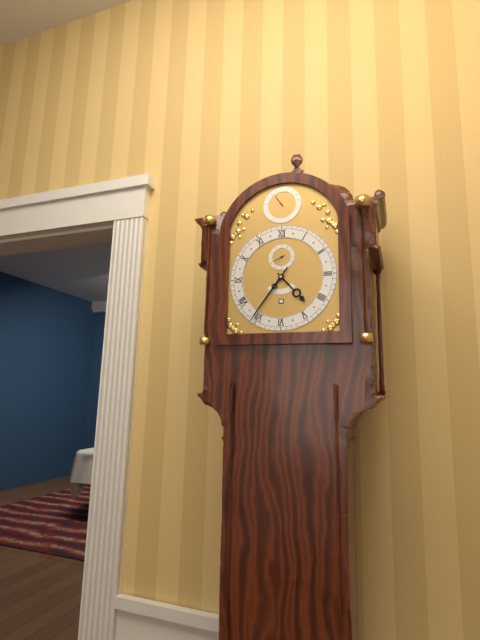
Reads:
h=4 m=36
